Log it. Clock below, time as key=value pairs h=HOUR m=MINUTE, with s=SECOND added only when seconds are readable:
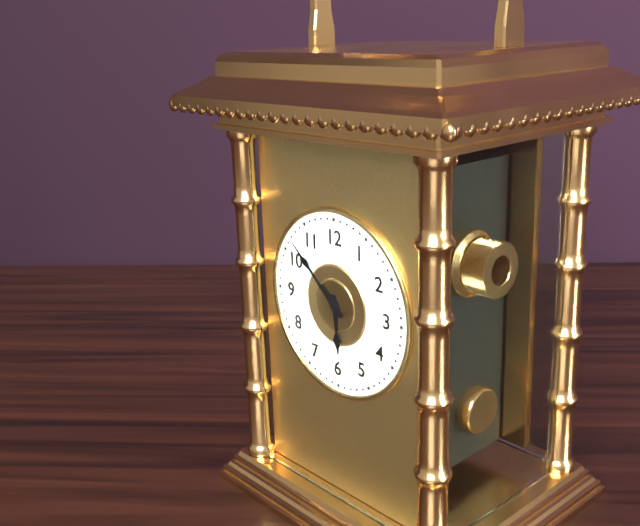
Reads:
h=5 m=52
